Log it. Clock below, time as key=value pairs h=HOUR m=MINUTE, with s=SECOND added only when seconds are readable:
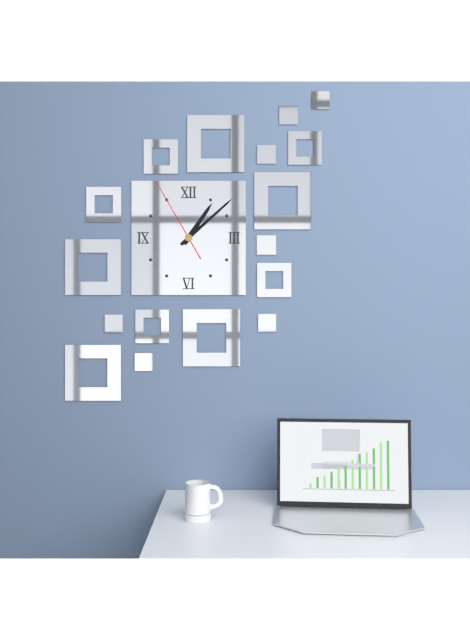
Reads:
h=1 m=8 s=55
